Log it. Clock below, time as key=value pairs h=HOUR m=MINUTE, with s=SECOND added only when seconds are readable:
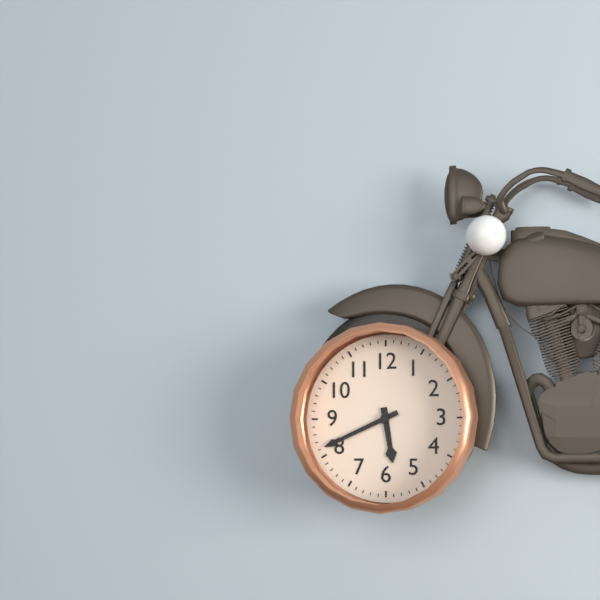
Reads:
h=5 m=41
